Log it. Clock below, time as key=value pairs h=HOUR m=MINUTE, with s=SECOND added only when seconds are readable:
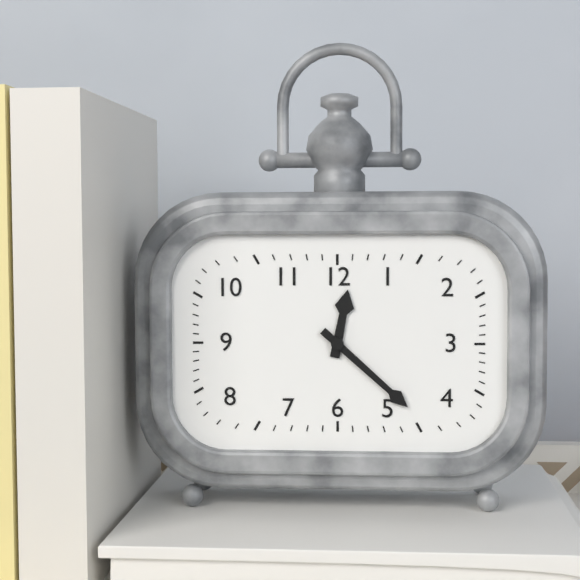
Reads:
h=12 m=22
